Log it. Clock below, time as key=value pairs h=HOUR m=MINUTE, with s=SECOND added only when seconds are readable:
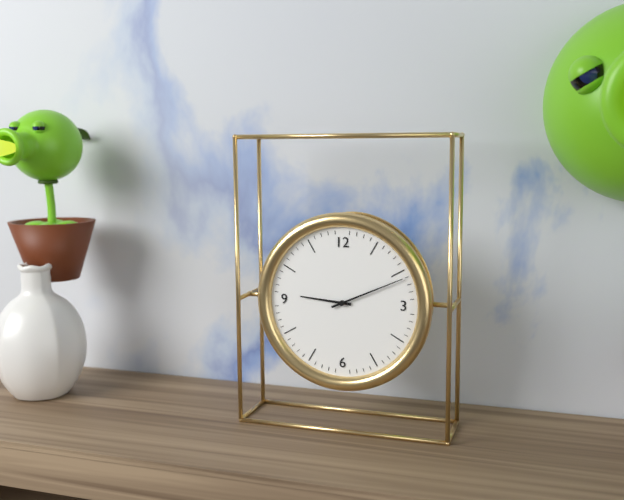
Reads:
h=9 m=11
